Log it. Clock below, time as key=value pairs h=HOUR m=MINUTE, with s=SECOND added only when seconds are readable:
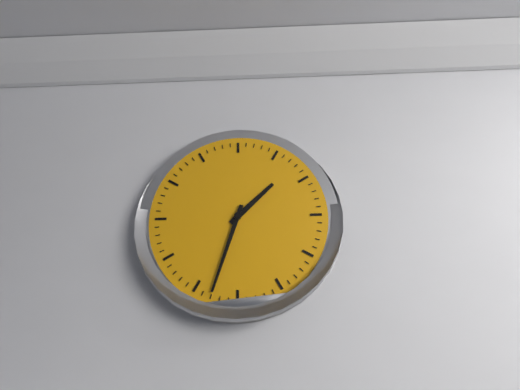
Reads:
h=1 m=33
